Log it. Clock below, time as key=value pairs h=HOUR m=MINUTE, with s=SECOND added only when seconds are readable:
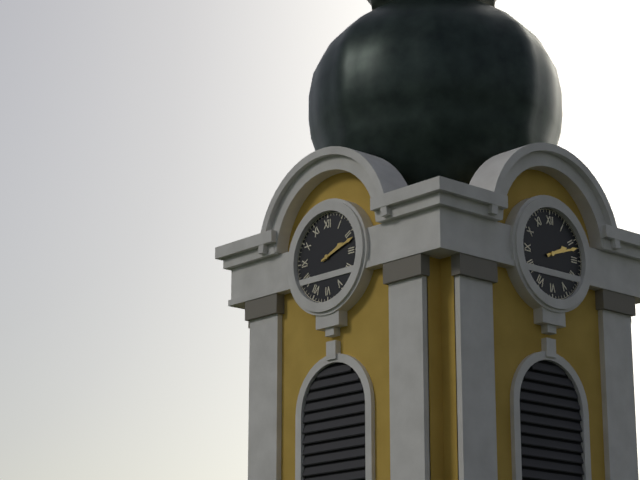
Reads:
h=2 m=12
